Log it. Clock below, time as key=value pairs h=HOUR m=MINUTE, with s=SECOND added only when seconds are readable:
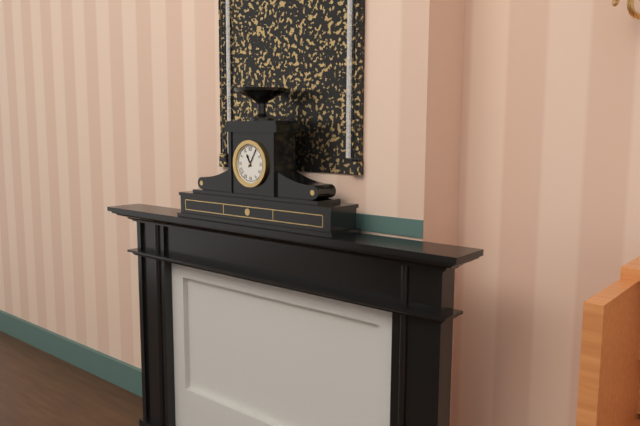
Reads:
h=11 m=5
